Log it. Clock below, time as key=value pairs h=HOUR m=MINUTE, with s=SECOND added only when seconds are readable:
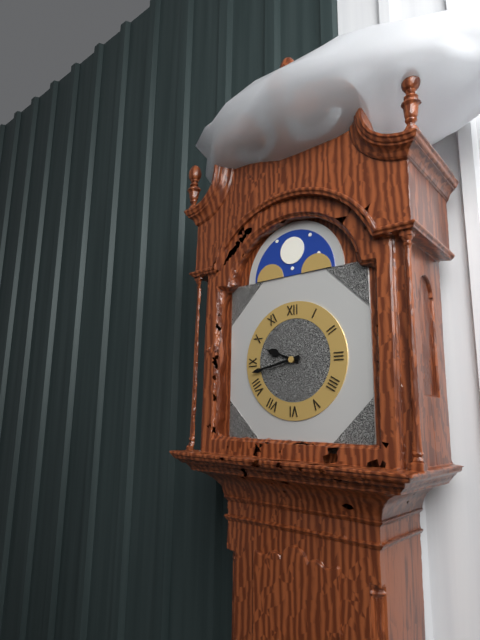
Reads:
h=9 m=43
